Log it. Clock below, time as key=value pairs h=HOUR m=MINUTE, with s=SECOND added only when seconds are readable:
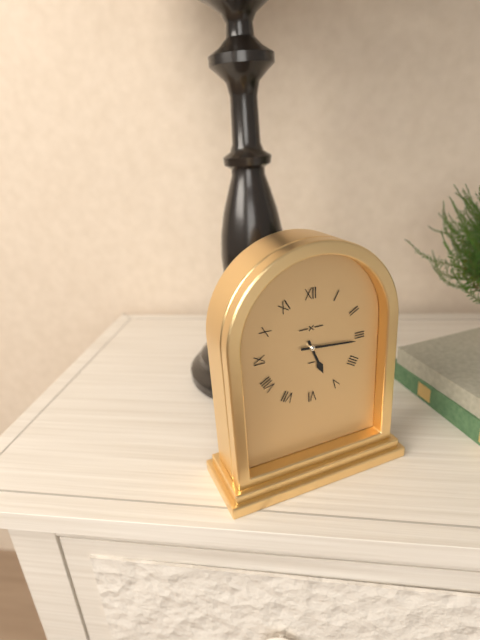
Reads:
h=5 m=16
